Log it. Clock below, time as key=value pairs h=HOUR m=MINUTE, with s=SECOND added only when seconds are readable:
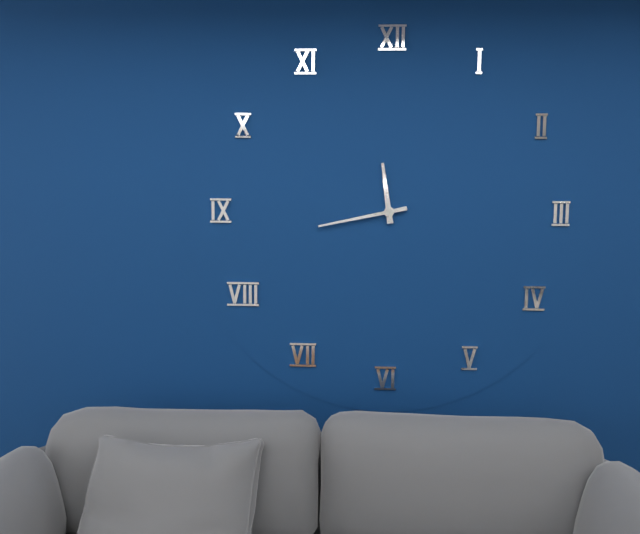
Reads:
h=11 m=43
